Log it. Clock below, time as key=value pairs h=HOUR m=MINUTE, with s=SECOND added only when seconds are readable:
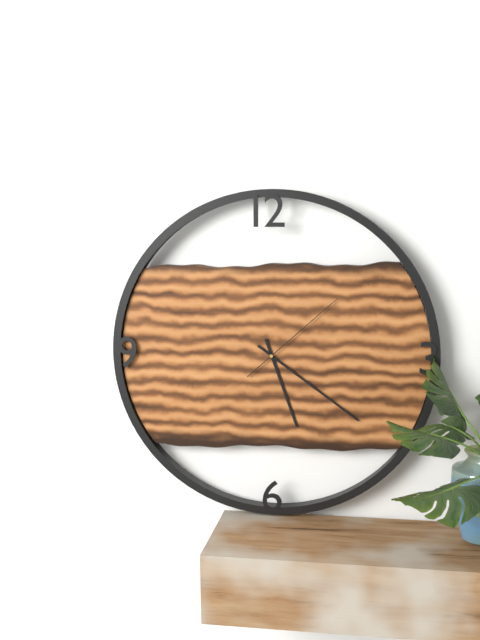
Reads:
h=5 m=21 s=8
